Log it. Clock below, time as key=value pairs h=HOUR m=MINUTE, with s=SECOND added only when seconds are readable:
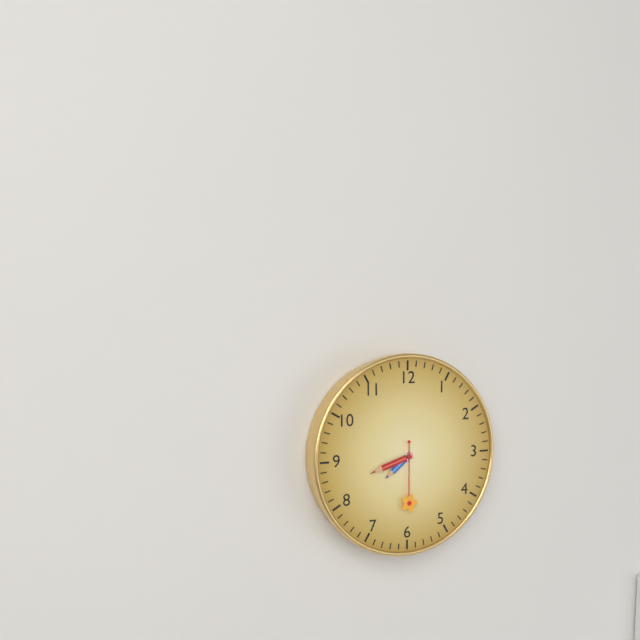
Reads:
h=7 m=42 s=30
